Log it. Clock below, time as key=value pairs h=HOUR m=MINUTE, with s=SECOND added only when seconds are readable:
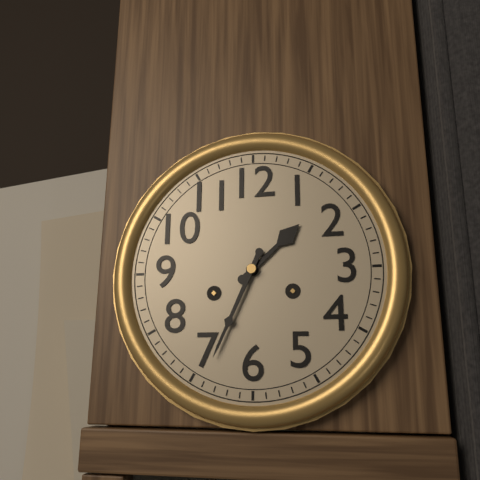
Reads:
h=1 m=34
